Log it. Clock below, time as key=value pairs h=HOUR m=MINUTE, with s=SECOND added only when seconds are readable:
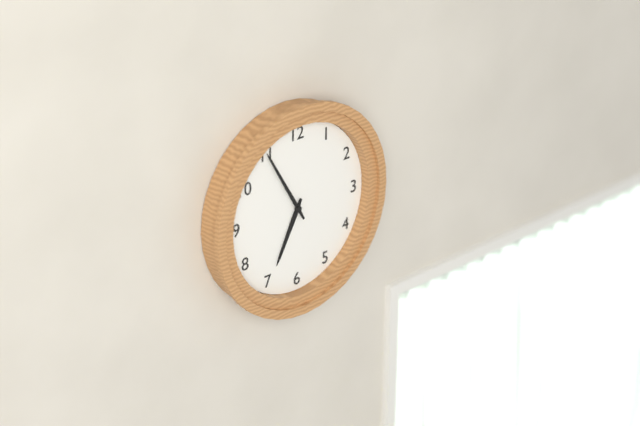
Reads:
h=6 m=55
